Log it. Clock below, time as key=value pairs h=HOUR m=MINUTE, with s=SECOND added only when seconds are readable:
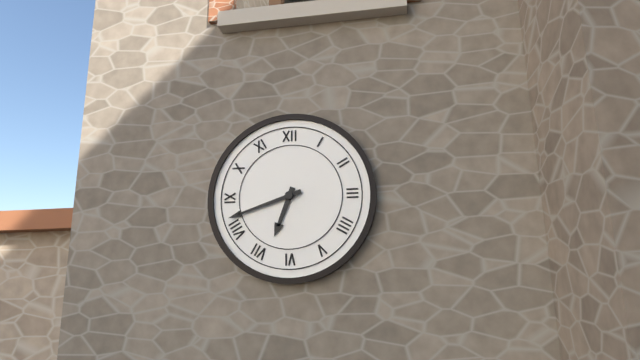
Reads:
h=6 m=42
